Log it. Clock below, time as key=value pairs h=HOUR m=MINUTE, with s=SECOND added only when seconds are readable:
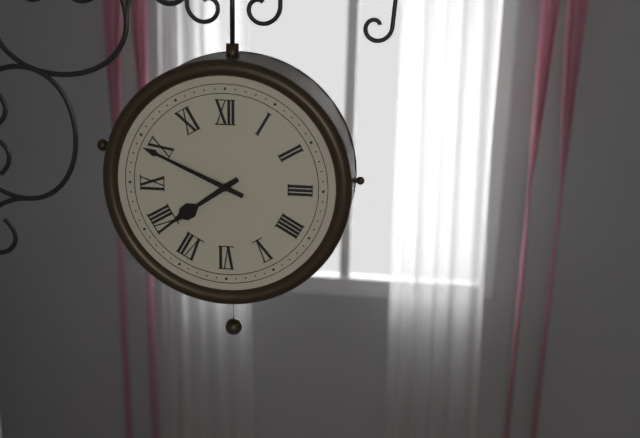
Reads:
h=7 m=49
